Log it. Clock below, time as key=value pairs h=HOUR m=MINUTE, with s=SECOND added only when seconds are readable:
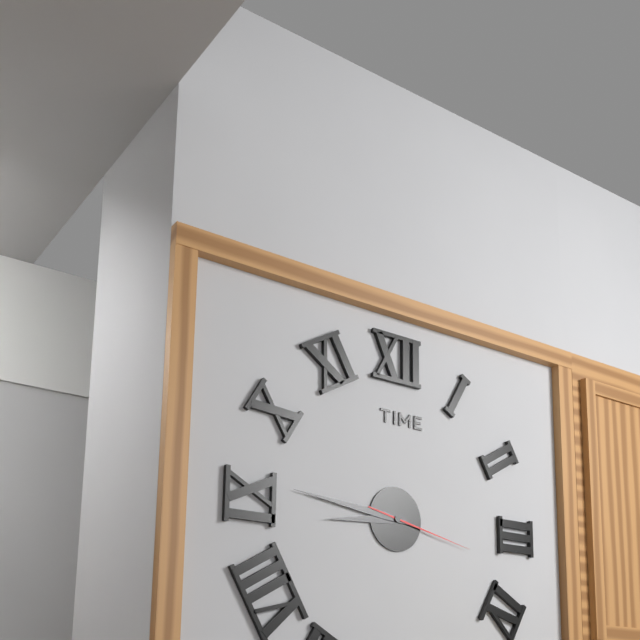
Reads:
h=8 m=46 s=17
